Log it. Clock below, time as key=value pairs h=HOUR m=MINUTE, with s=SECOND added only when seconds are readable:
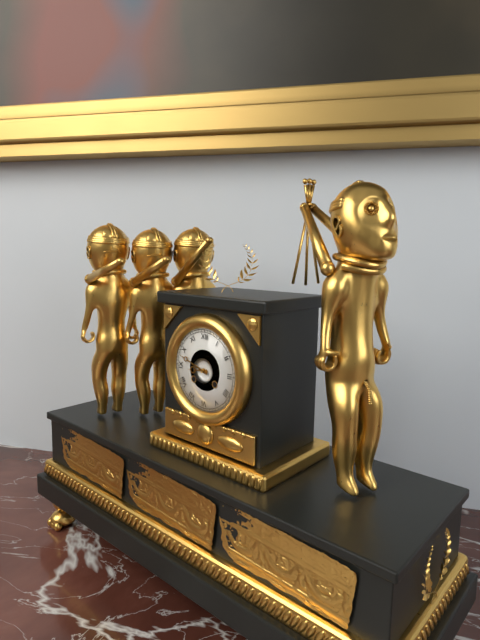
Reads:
h=8 m=48
